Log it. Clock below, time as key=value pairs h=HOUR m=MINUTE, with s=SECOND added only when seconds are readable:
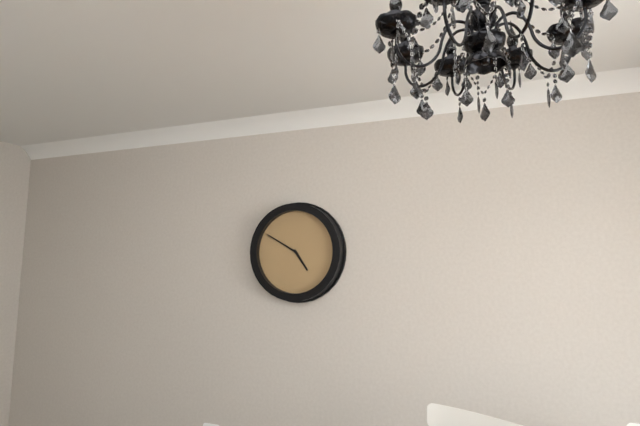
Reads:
h=4 m=50
